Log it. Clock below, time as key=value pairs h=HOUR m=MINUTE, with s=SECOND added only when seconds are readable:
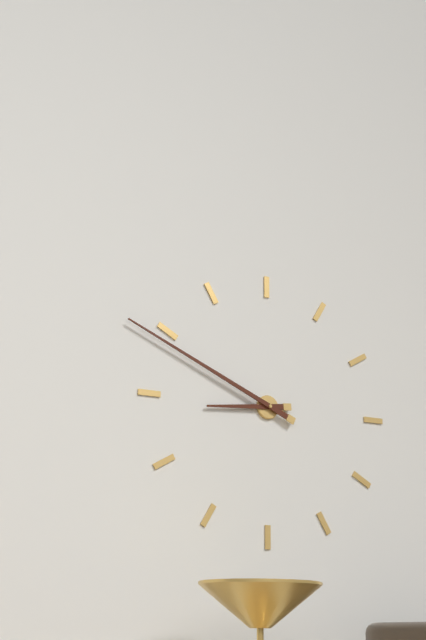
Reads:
h=8 m=49
